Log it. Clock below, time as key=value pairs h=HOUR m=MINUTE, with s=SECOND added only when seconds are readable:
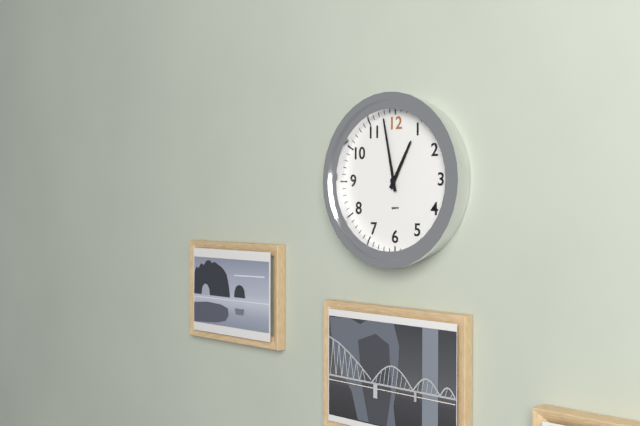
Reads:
h=12 m=58
